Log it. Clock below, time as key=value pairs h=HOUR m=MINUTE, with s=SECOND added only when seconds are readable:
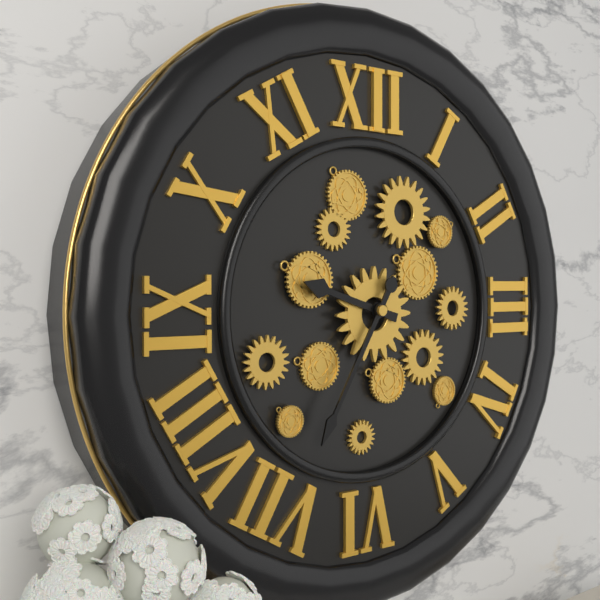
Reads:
h=9 m=35
